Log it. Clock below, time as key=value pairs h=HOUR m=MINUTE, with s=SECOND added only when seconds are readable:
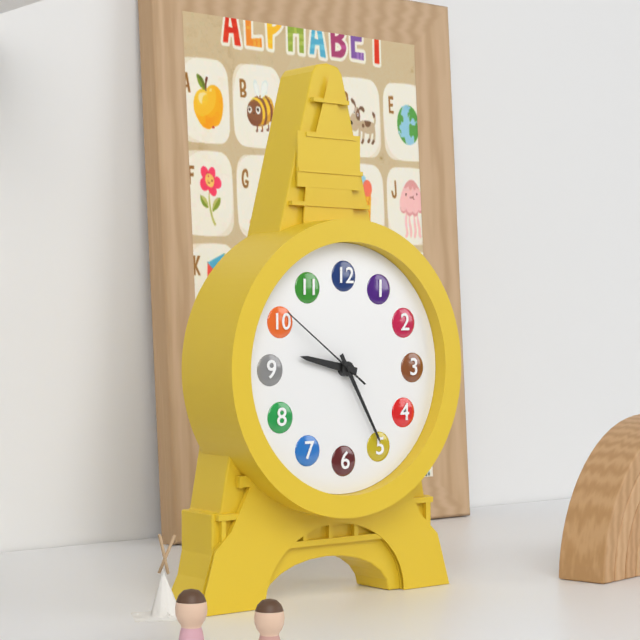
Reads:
h=9 m=25 s=51
